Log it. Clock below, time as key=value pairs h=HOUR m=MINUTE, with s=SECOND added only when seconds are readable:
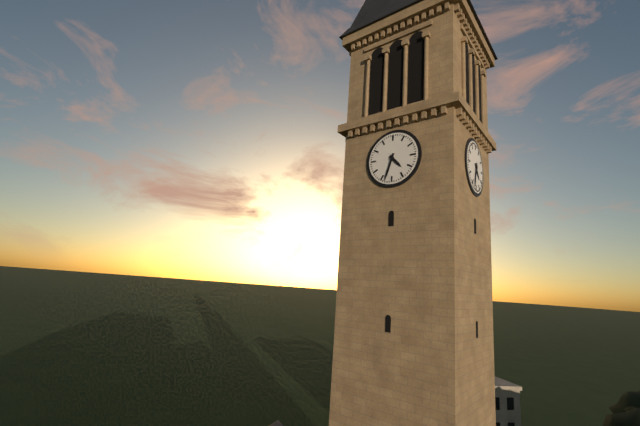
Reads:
h=4 m=33
